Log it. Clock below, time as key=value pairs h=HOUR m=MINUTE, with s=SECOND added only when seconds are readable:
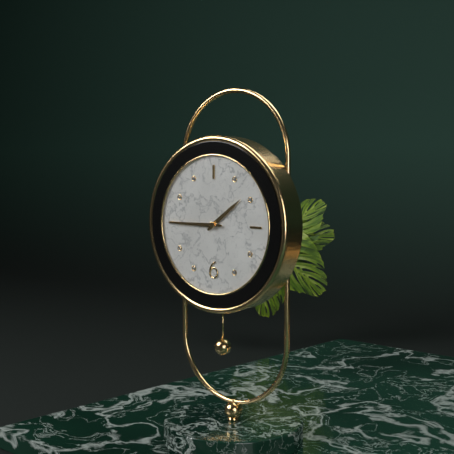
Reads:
h=1 m=45
